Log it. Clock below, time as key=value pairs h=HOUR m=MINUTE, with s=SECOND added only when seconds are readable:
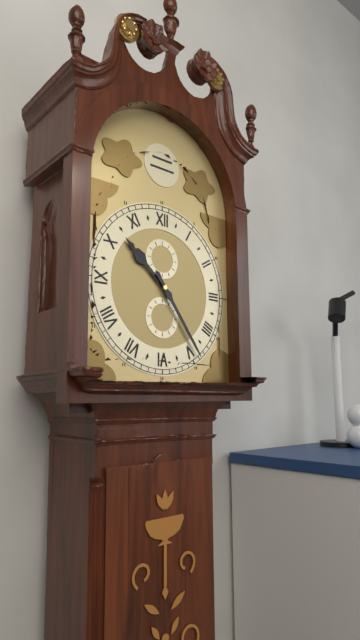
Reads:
h=10 m=24
